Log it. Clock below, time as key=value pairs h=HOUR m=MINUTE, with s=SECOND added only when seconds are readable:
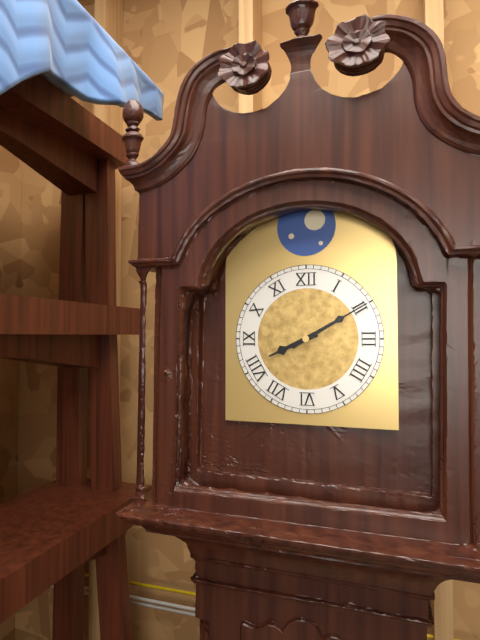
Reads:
h=8 m=10
